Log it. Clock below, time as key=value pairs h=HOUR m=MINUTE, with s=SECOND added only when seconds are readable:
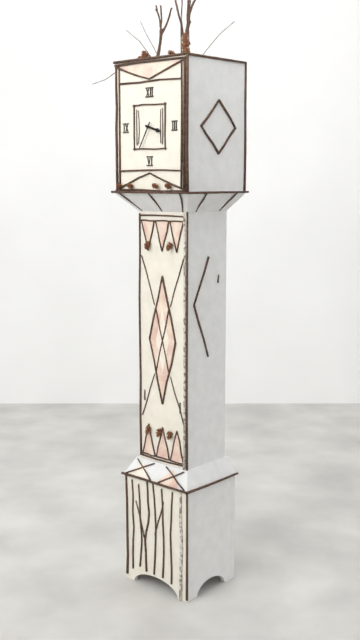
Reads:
h=3 m=35
